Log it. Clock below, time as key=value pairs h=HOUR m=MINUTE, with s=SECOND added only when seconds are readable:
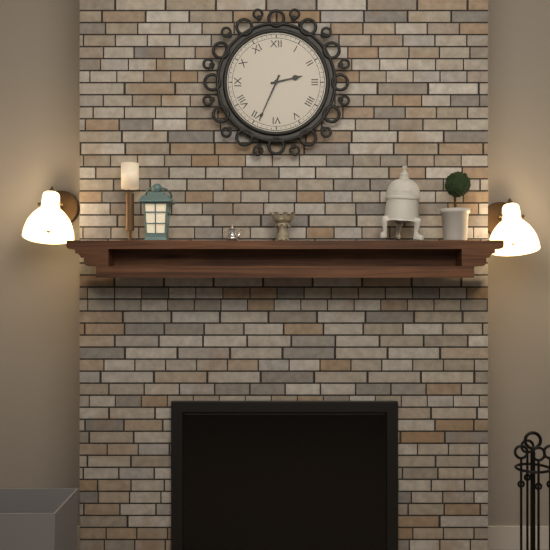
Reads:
h=2 m=34
